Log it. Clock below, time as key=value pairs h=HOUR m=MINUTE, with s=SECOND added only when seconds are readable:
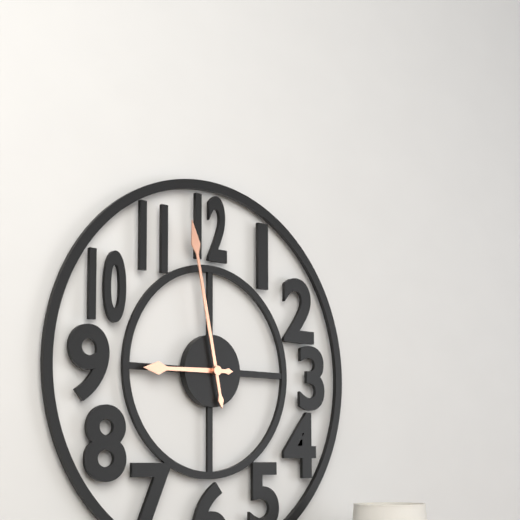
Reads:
h=8 m=58
